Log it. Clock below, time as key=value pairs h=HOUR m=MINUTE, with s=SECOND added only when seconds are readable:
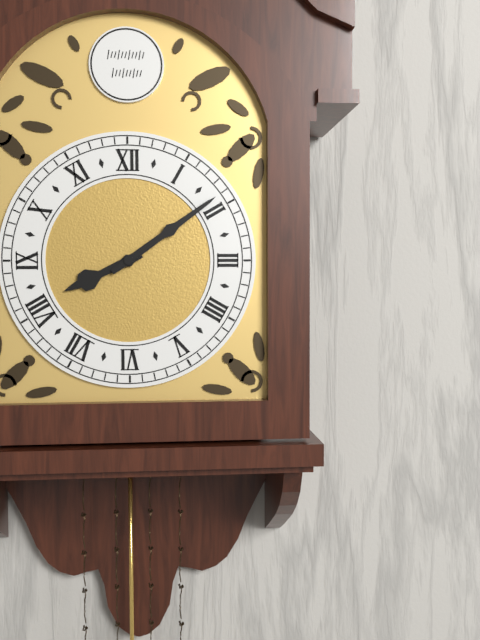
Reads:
h=8 m=9
